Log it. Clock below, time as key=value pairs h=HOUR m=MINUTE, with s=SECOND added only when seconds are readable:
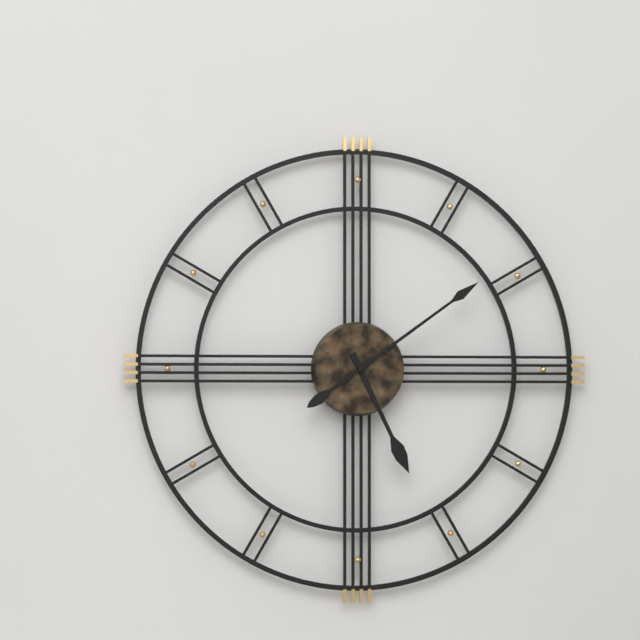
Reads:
h=5 m=9
